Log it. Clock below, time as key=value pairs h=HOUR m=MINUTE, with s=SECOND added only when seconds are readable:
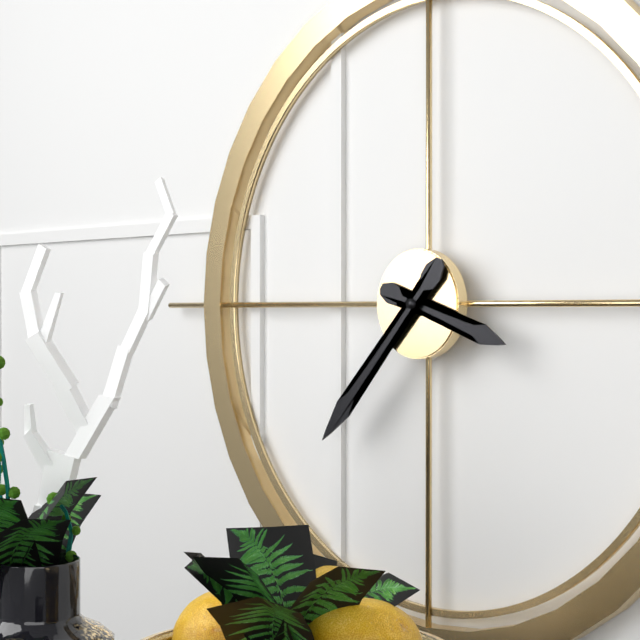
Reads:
h=3 m=37
